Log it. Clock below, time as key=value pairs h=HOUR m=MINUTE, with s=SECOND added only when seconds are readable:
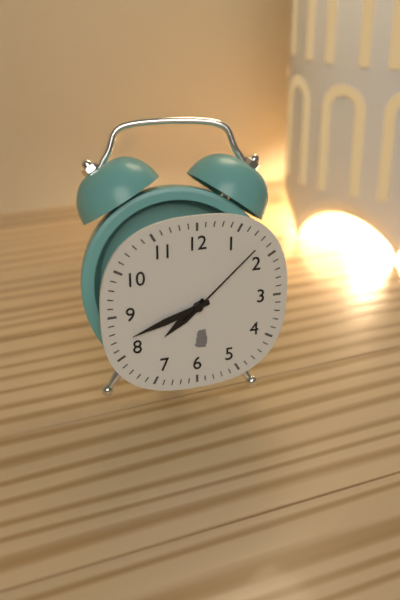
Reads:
h=7 m=42 s=8
